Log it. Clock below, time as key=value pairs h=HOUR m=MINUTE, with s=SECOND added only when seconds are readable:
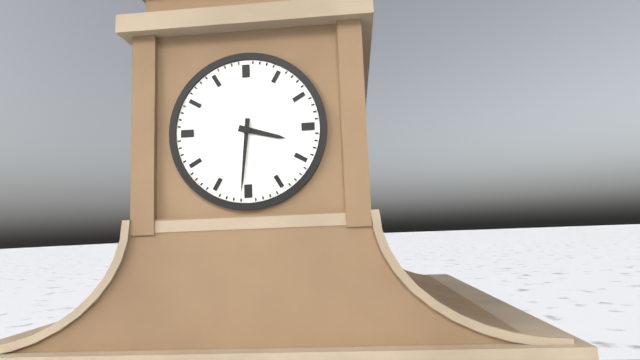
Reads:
h=3 m=31
